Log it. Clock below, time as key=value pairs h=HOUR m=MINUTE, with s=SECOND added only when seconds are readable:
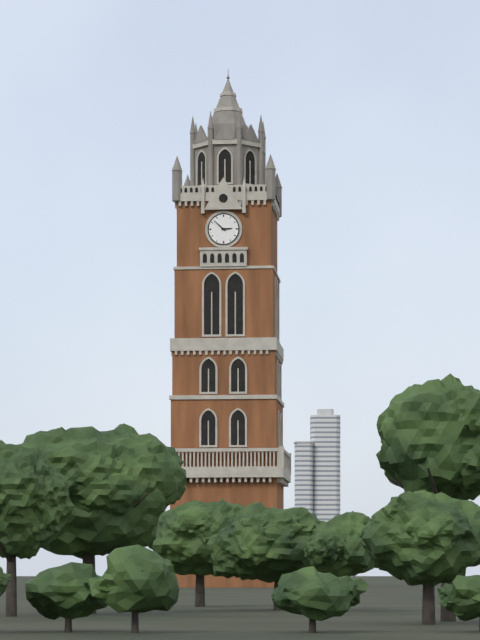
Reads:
h=2 m=52
